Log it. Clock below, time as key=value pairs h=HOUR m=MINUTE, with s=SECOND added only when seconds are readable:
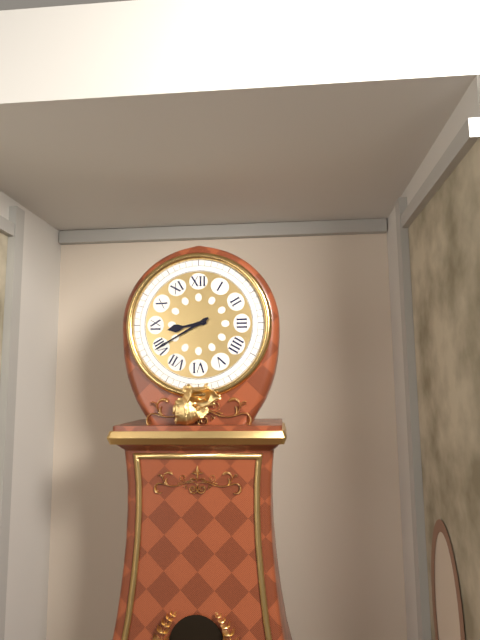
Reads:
h=8 m=40
